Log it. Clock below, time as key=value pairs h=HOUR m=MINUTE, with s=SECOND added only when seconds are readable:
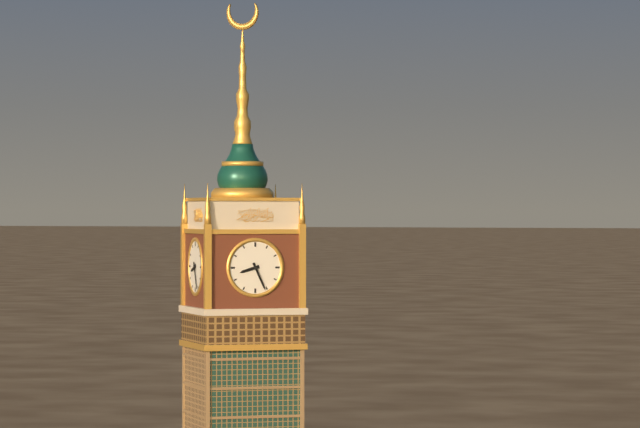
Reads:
h=8 m=26
